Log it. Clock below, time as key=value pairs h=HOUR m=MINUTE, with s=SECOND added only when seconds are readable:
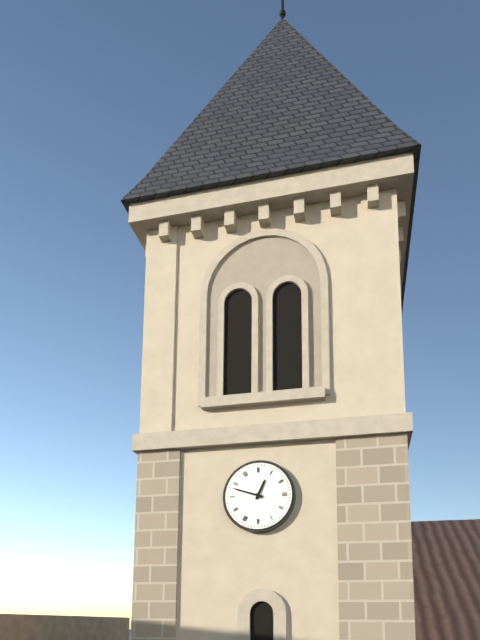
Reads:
h=12 m=48
